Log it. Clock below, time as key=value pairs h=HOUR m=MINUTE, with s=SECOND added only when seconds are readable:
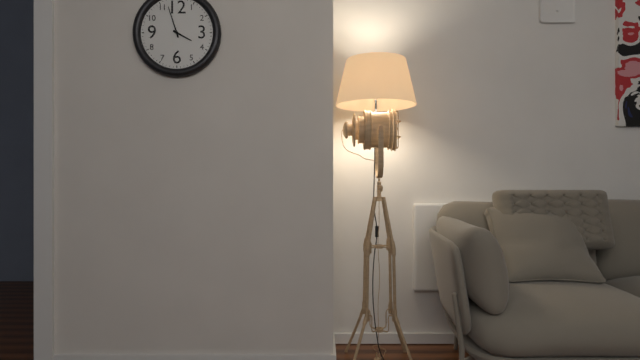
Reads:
h=3 m=57
